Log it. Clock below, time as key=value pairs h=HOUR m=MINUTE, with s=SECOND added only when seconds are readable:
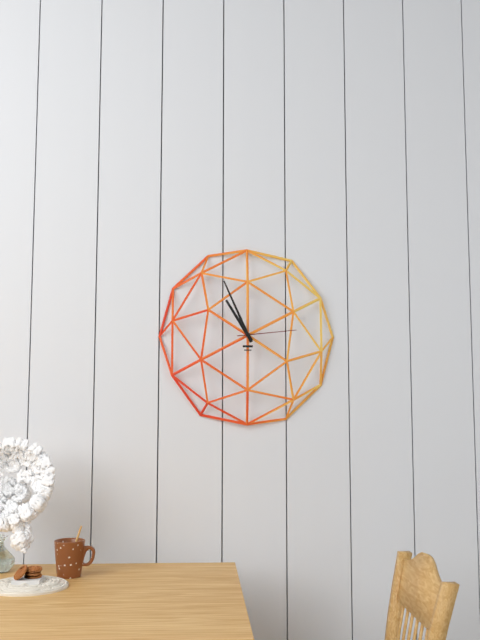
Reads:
h=10 m=56 s=14
